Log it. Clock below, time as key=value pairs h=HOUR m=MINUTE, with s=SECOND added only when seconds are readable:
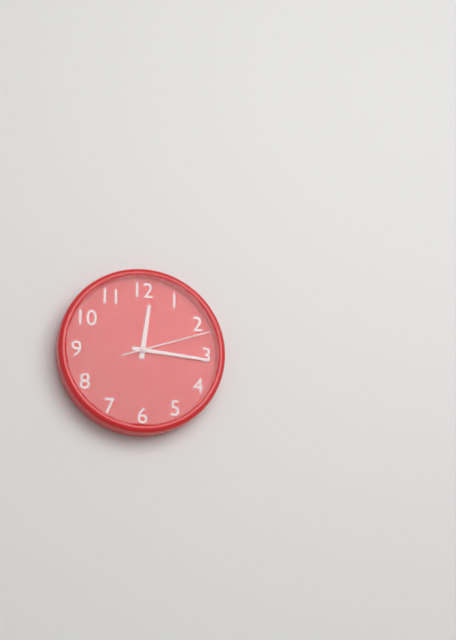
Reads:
h=12 m=16 s=12
